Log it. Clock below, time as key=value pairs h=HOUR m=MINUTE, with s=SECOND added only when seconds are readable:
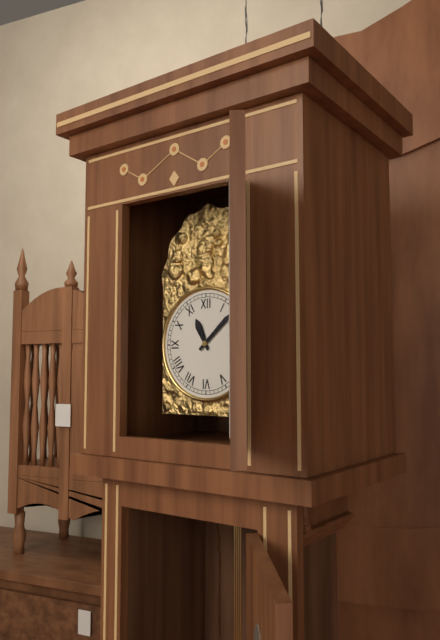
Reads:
h=11 m=8
